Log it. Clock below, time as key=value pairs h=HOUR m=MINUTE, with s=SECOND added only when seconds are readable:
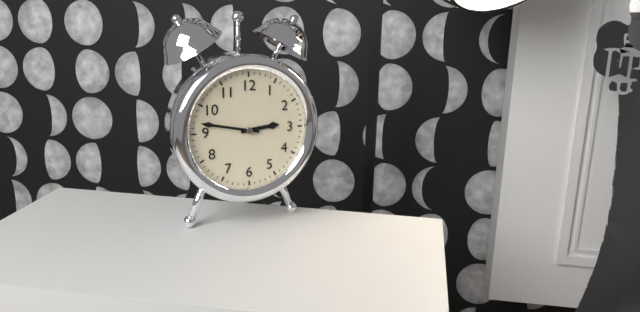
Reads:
h=2 m=47
